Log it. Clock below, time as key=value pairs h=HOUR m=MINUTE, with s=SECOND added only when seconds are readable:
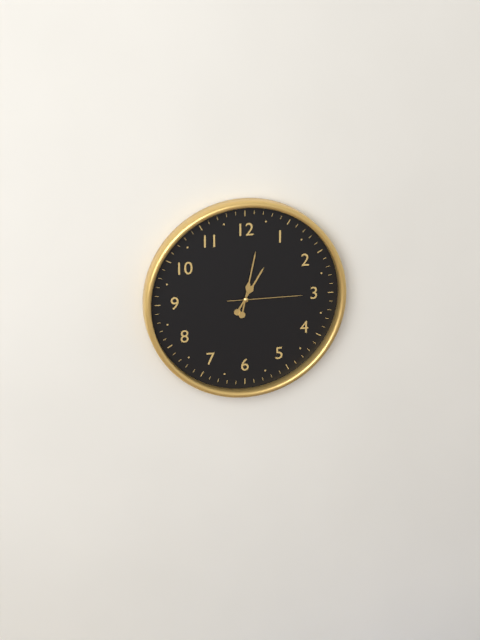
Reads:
h=1 m=2 s=15
